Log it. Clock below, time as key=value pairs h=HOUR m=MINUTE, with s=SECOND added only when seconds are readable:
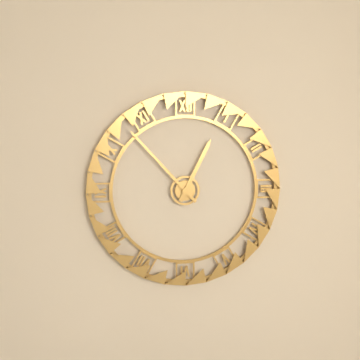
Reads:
h=12 m=53
